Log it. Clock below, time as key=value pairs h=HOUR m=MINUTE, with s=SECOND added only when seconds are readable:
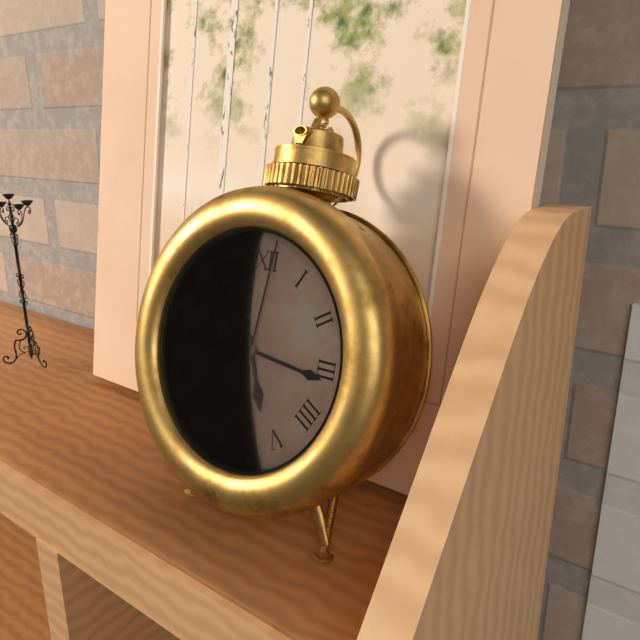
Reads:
h=5 m=16 s=1
